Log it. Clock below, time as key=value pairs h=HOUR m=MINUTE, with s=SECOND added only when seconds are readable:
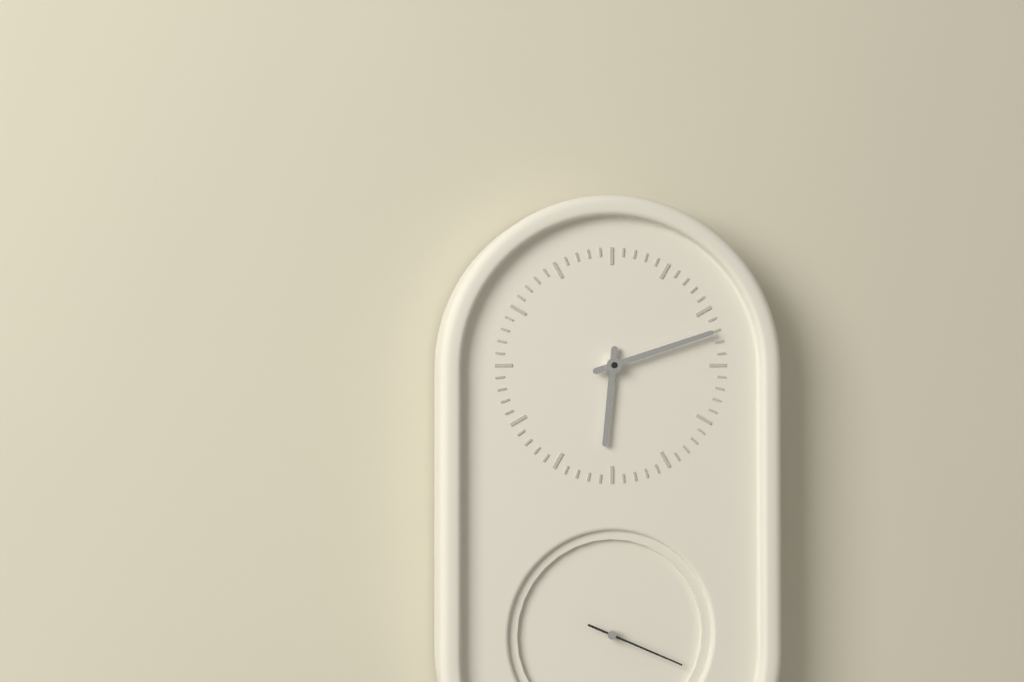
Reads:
h=6 m=12 s=19
